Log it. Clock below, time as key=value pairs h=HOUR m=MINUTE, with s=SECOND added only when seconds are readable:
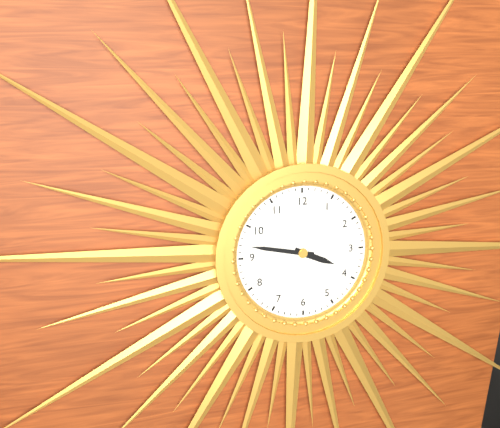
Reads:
h=3 m=47
